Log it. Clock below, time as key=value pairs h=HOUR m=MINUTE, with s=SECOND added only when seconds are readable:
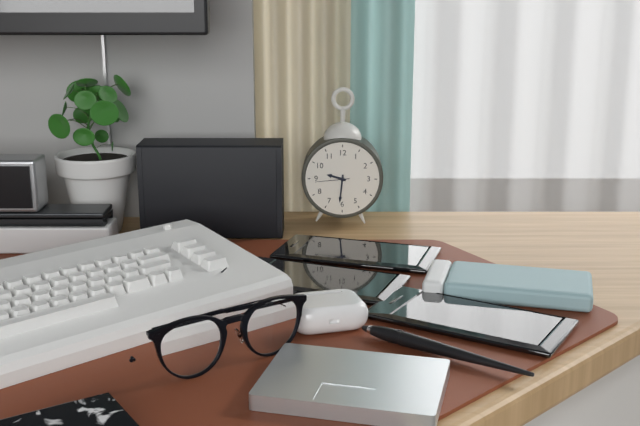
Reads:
h=9 m=31
